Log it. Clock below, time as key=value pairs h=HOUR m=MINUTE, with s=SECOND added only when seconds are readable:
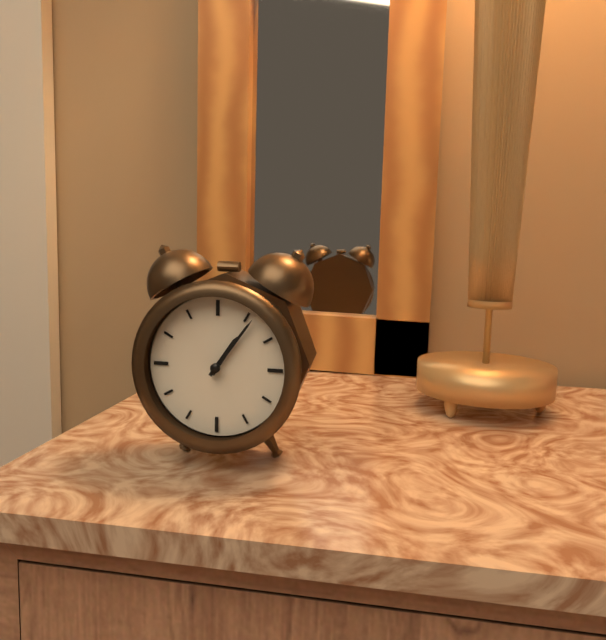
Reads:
h=1 m=6
